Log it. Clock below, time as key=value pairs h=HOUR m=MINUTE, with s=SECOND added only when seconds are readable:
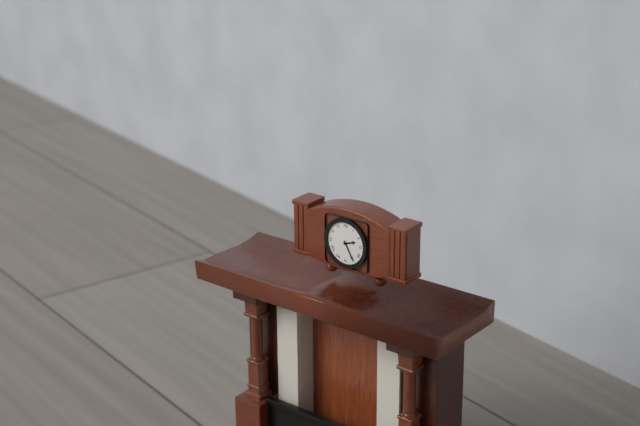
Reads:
h=2 m=25
